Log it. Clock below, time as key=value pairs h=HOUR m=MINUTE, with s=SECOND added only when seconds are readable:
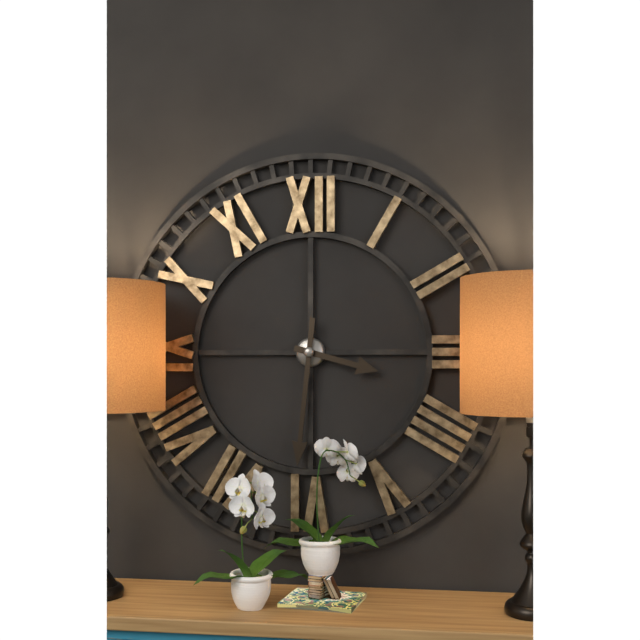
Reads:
h=3 m=31
